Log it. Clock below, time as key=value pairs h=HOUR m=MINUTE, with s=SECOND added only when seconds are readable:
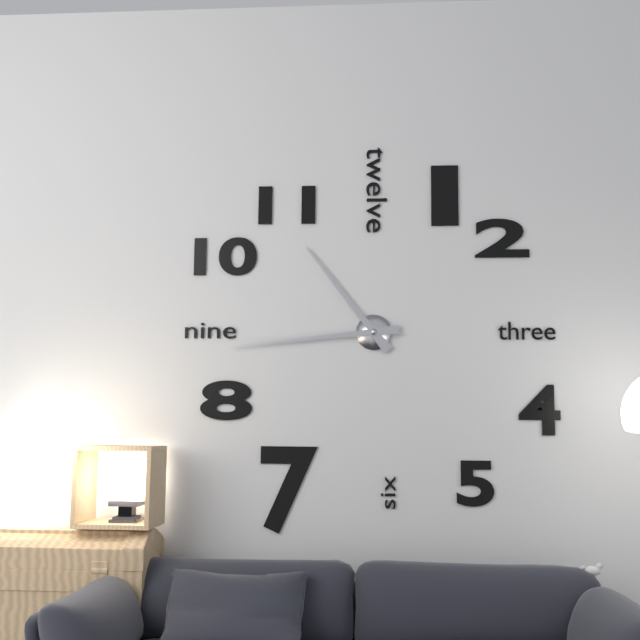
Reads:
h=10 m=44
